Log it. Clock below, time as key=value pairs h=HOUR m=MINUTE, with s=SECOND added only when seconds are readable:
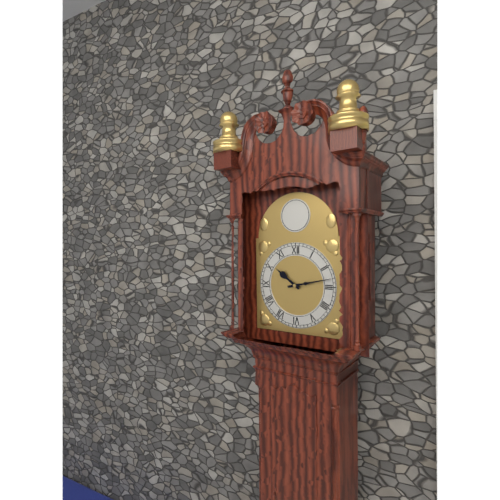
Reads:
h=10 m=13
